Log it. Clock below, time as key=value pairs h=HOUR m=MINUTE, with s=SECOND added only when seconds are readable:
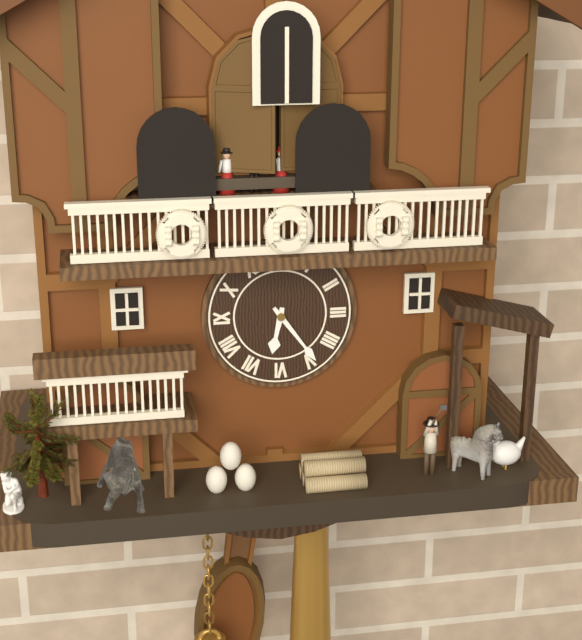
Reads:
h=6 m=24
